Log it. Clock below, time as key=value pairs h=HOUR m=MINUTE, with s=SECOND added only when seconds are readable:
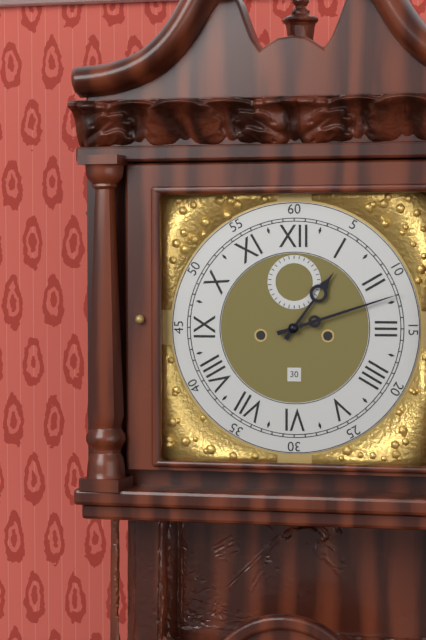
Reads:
h=1 m=12
